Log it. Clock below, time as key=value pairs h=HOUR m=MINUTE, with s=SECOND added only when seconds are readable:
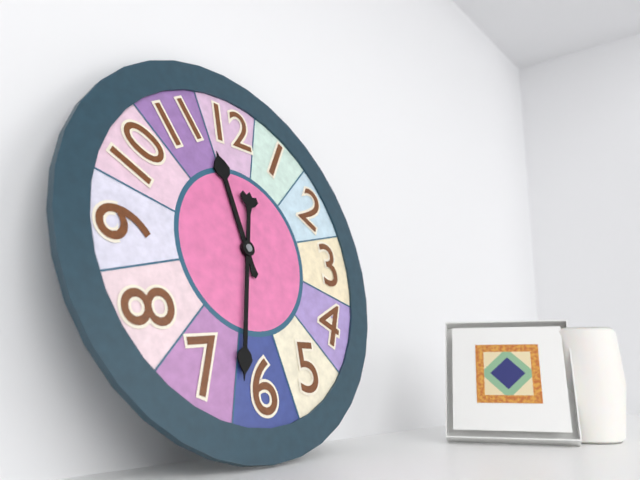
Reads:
h=11 m=32
